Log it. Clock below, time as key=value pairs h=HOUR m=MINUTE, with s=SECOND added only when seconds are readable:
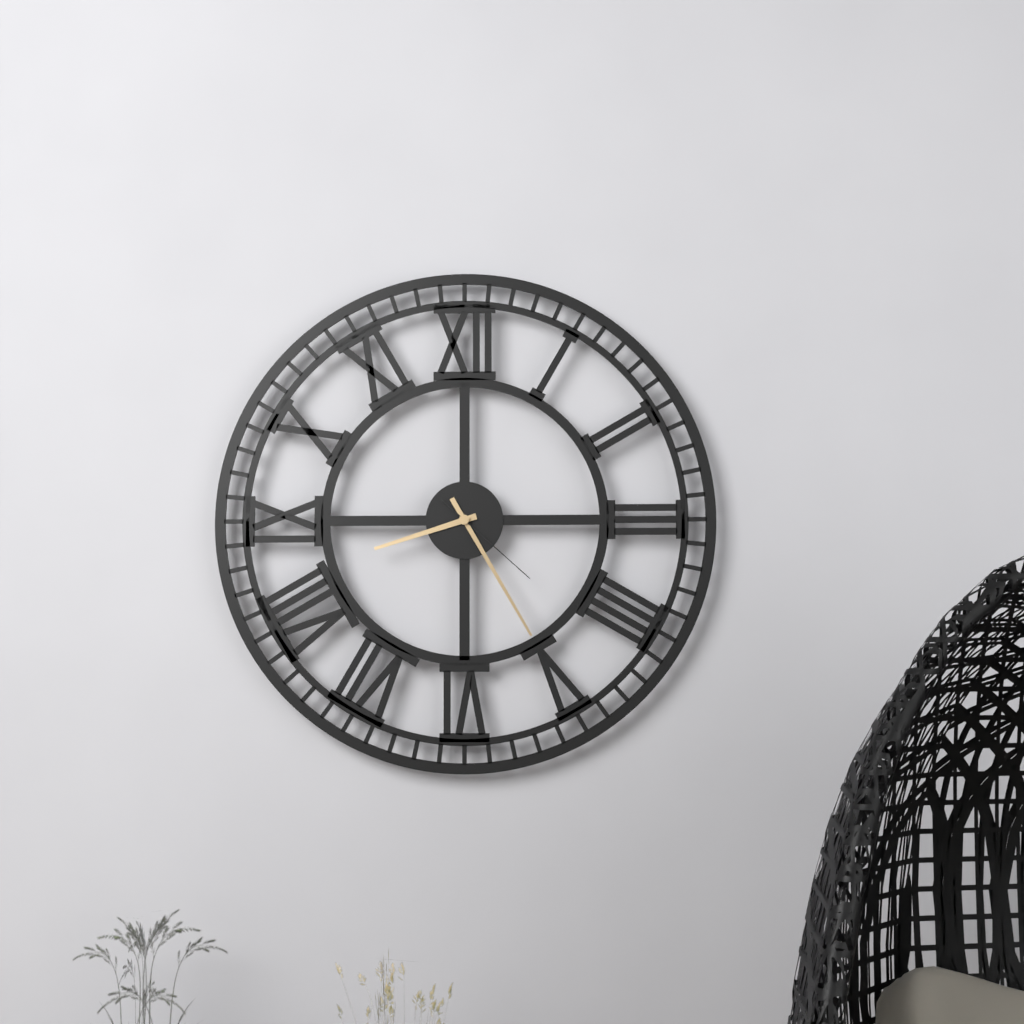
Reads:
h=8 m=25 s=22
